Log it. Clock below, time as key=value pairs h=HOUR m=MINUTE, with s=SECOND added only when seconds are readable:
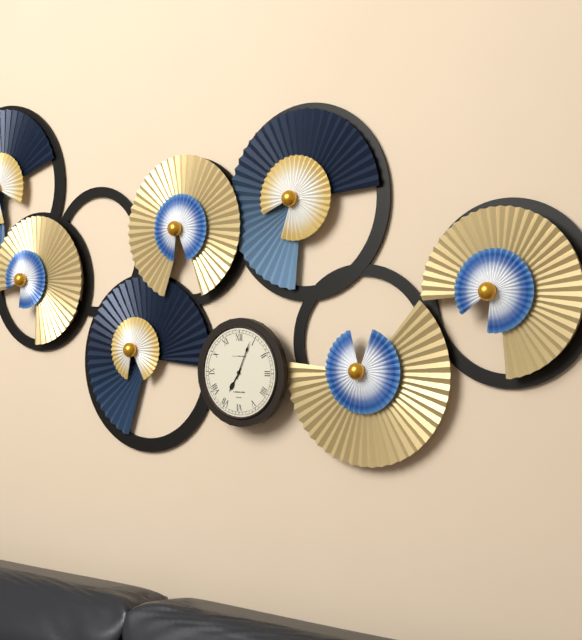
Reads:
h=7 m=4
